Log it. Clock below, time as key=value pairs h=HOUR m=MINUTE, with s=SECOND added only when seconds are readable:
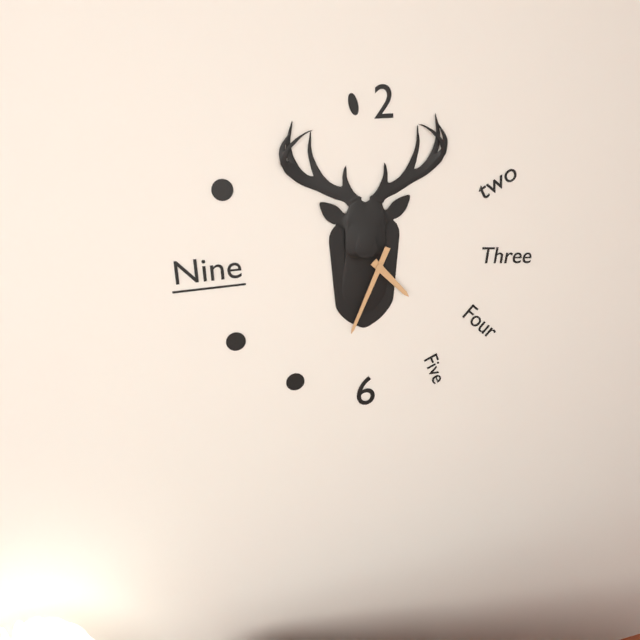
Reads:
h=4 m=34
